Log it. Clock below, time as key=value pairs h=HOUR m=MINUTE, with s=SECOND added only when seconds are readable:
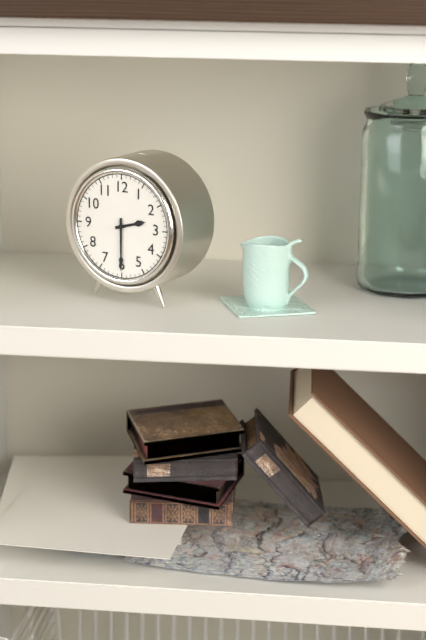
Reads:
h=2 m=30
